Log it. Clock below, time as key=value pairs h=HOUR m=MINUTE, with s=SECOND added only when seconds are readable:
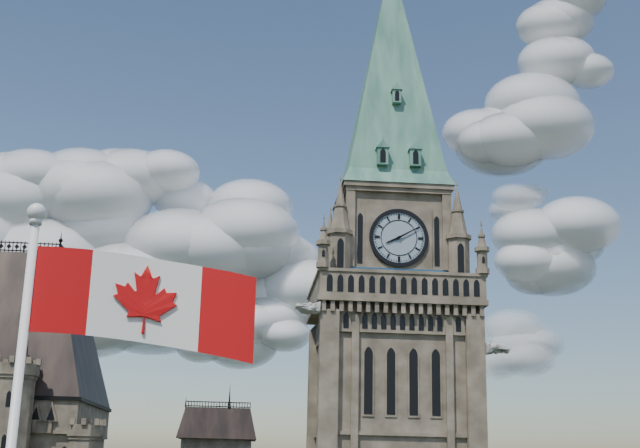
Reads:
h=8 m=10
